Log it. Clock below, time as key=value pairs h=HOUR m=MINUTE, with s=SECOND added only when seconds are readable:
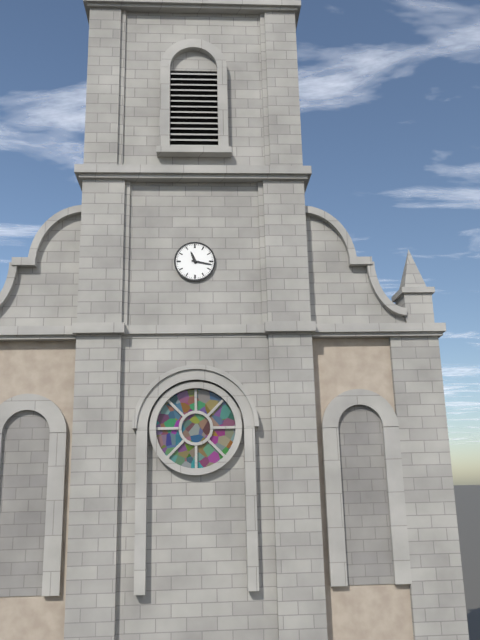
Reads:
h=11 m=17
